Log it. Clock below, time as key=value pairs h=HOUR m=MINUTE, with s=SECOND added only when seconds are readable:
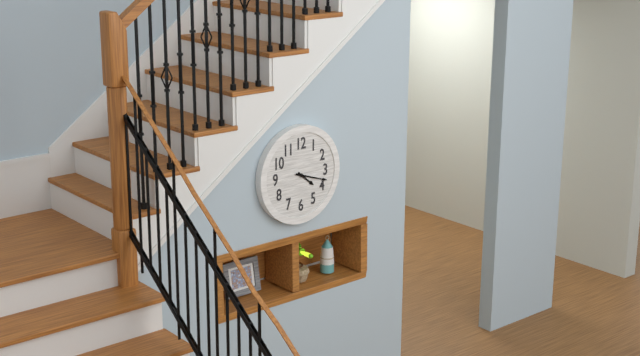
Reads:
h=4 m=18
